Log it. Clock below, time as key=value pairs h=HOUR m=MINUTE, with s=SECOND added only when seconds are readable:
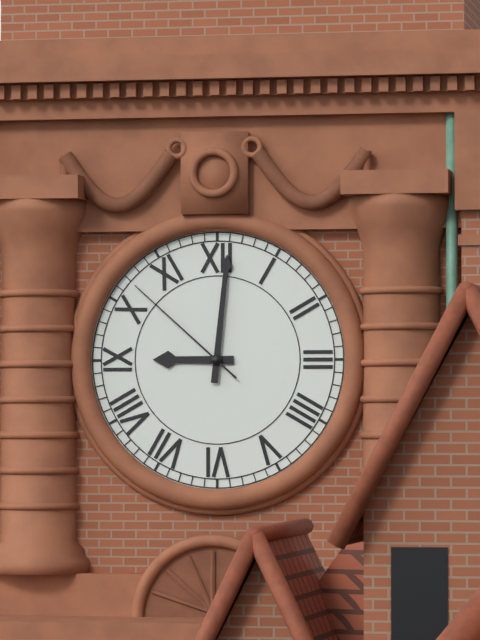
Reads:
h=9 m=1 s=52
